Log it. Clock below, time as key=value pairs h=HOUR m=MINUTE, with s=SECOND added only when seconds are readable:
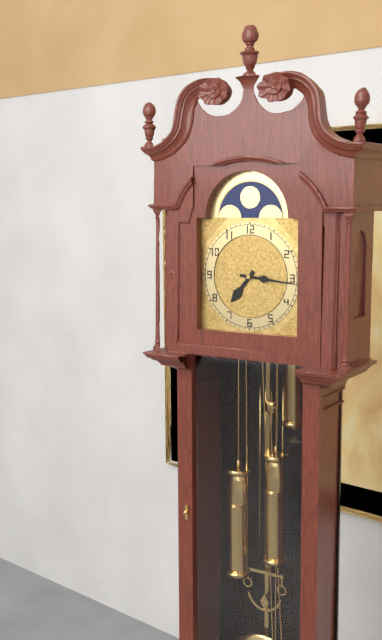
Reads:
h=7 m=16
